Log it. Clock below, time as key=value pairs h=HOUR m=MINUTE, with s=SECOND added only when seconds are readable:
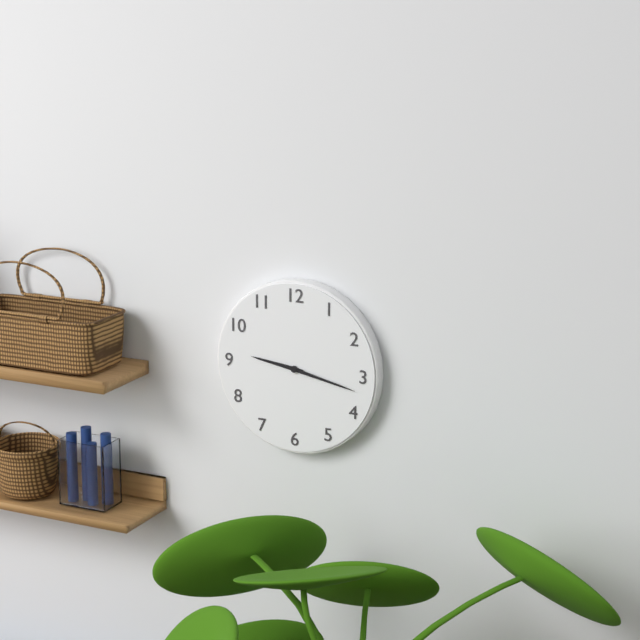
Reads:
h=9 m=17
